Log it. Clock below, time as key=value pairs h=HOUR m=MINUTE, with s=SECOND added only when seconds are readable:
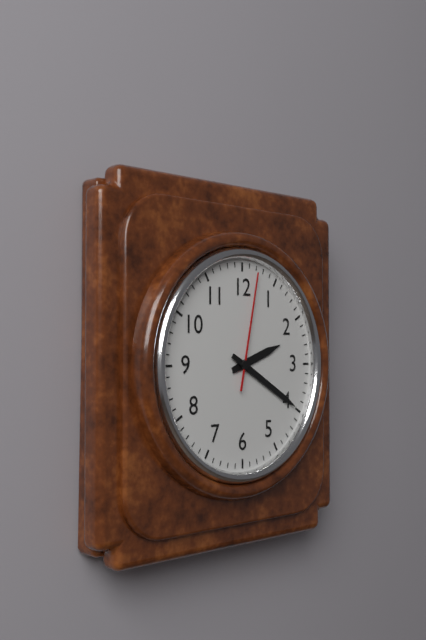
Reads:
h=2 m=20 s=2
